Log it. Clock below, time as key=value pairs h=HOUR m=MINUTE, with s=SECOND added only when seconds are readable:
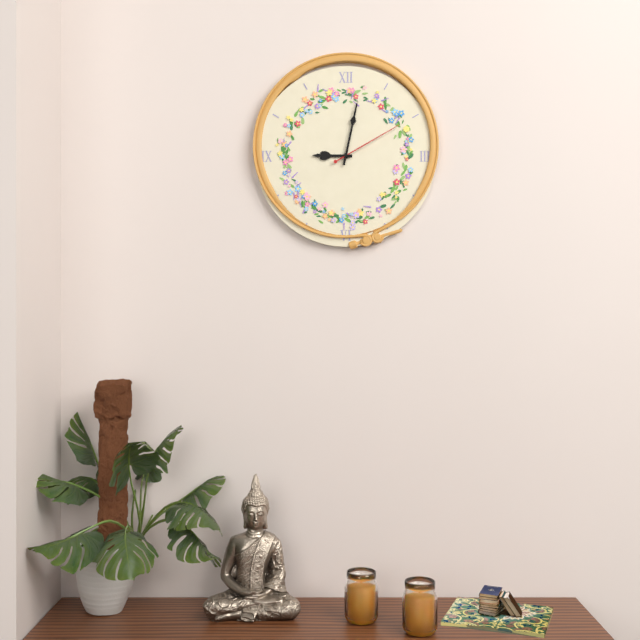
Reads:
h=9 m=2 s=10
